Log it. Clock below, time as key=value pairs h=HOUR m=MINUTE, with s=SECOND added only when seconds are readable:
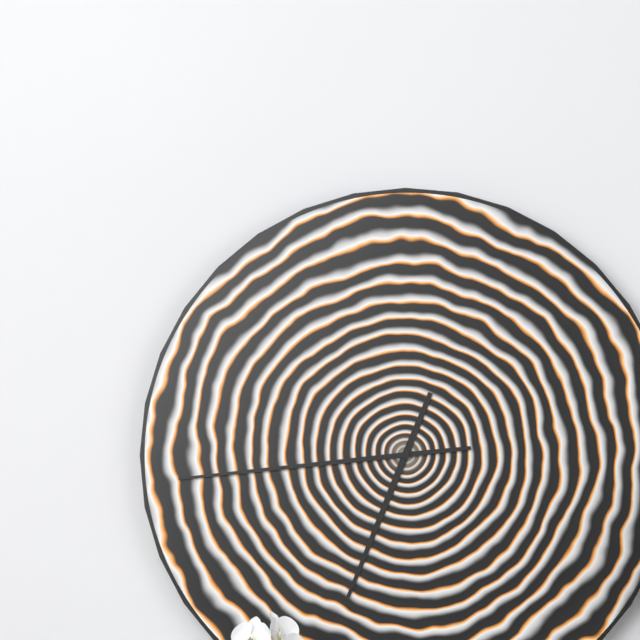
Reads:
h=6 m=44
